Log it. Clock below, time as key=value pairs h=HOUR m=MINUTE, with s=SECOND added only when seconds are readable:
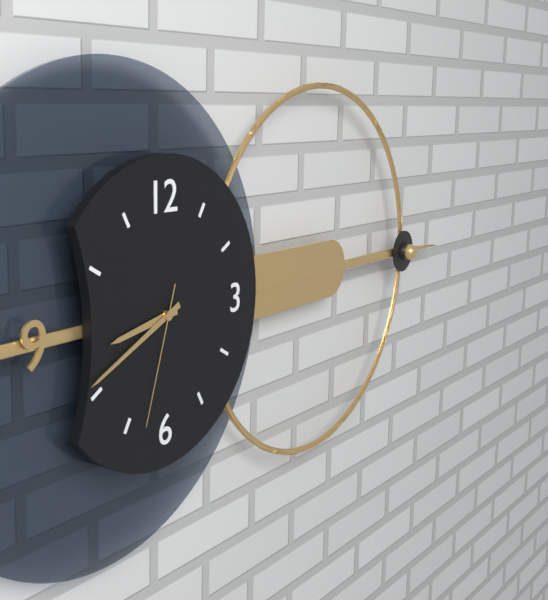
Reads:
h=8 m=41 s=33
